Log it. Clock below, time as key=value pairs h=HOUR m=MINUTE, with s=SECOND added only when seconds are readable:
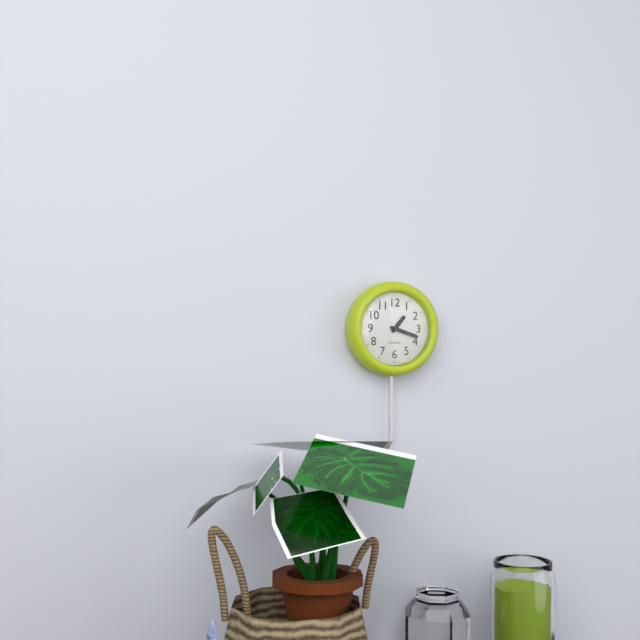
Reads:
h=1 m=18
